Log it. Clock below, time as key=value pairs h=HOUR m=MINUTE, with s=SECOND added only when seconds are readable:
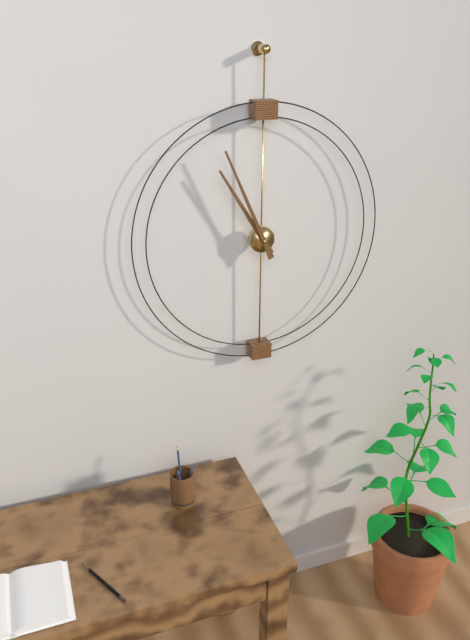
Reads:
h=10 m=56
